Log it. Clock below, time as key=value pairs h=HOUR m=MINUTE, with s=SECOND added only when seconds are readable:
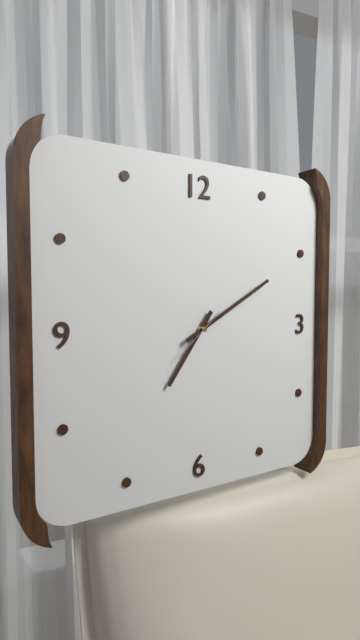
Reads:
h=7 m=10
